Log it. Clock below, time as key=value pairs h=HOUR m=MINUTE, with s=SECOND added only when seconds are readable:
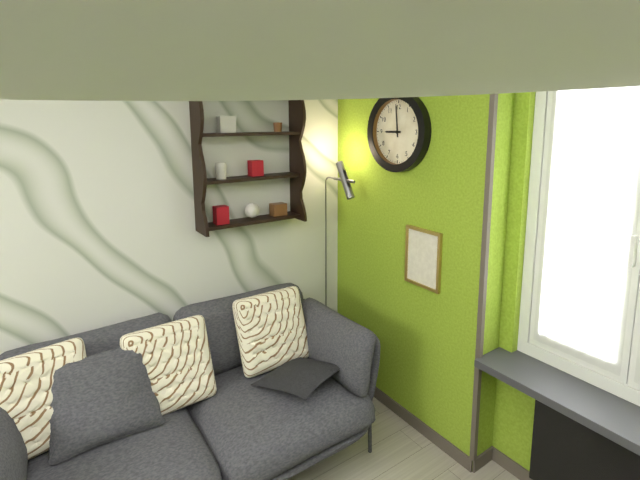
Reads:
h=8 m=59
